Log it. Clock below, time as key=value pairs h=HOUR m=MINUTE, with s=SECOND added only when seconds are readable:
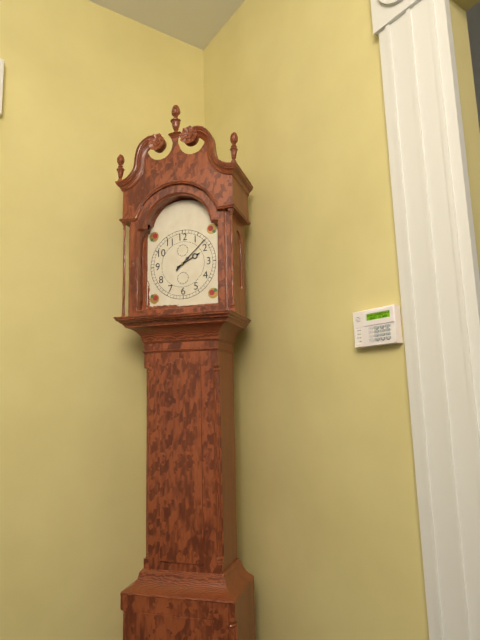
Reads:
h=2 m=8
